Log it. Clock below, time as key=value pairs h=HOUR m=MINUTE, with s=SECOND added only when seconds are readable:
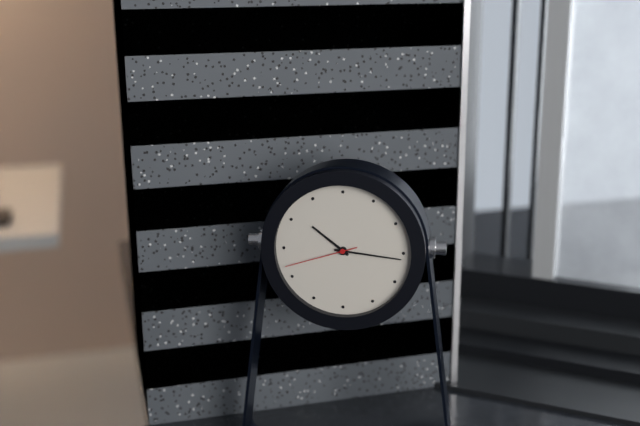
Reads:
h=10 m=16 s=42
